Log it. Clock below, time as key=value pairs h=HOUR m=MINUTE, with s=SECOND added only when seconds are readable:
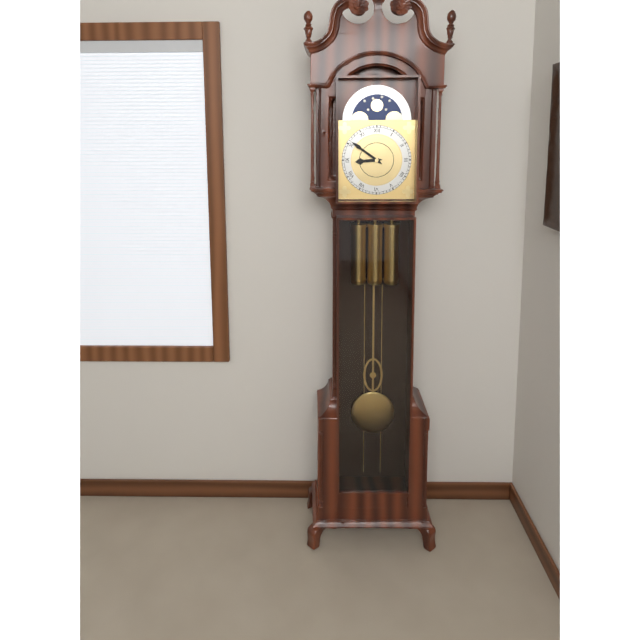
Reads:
h=8 m=51
